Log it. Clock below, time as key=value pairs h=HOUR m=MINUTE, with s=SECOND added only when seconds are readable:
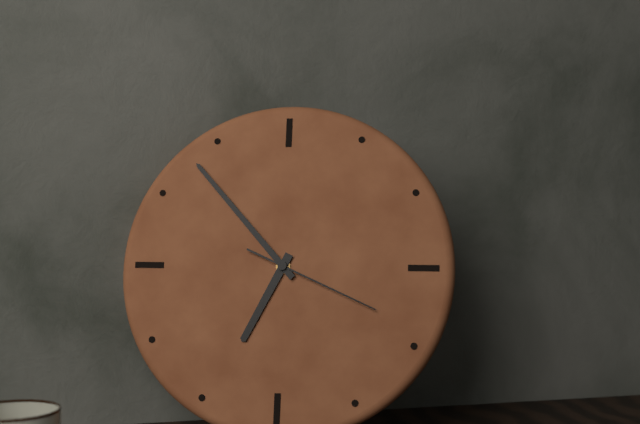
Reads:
h=6 m=53 s=19
